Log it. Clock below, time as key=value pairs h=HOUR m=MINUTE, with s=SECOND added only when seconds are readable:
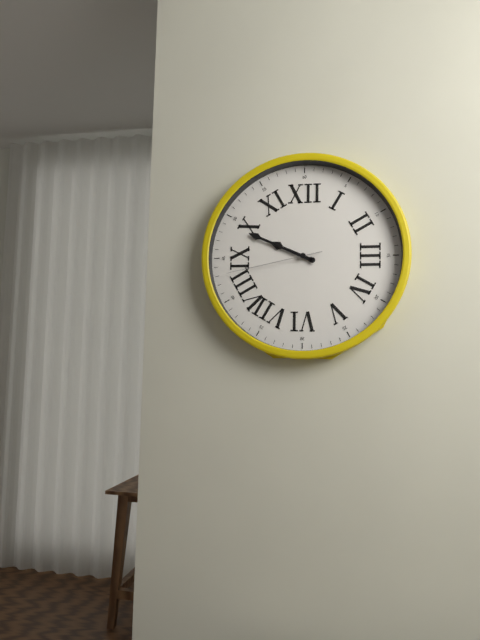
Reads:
h=9 m=49 s=43
